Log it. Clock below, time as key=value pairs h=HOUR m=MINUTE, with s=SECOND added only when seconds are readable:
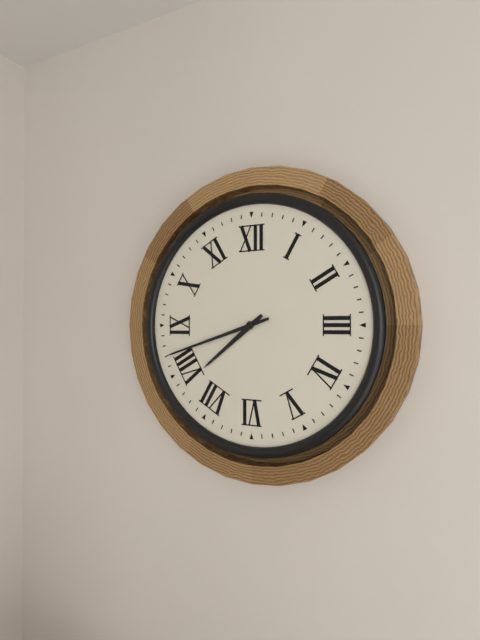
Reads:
h=7 m=42
